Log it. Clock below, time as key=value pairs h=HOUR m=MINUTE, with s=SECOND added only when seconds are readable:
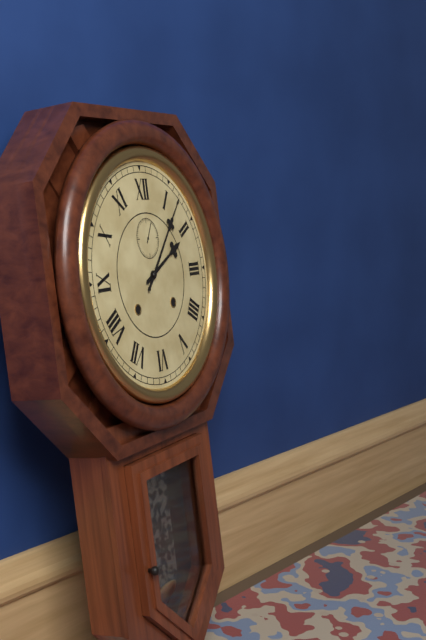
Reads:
h=2 m=7
